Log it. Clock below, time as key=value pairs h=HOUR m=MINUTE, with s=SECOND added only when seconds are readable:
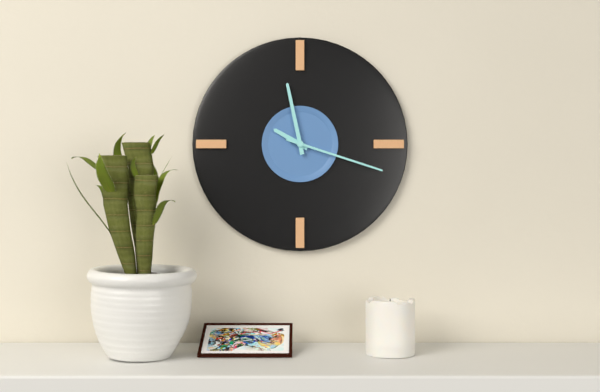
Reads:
h=9 m=58 s=18
